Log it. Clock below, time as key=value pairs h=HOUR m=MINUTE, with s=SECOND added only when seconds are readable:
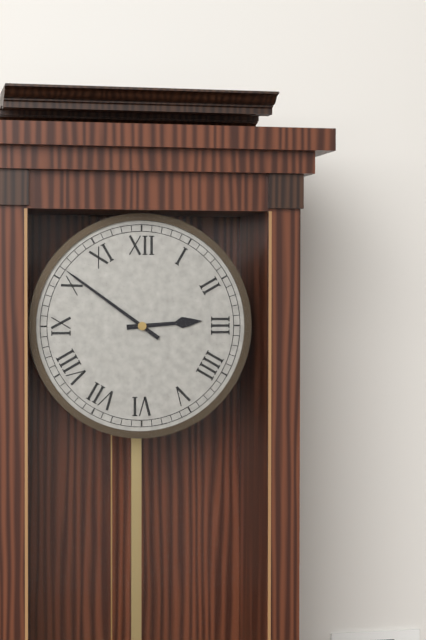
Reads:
h=2 m=51
